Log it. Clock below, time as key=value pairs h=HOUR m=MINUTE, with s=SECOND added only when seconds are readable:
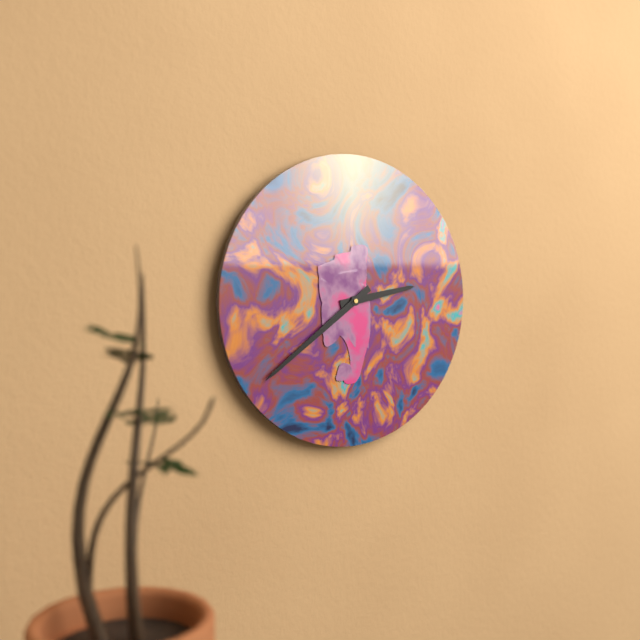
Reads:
h=2 m=39
